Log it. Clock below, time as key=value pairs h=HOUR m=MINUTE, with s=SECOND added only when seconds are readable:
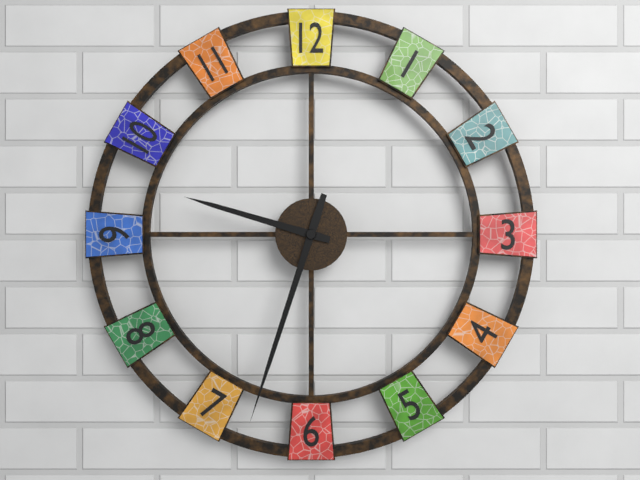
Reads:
h=9 m=33
